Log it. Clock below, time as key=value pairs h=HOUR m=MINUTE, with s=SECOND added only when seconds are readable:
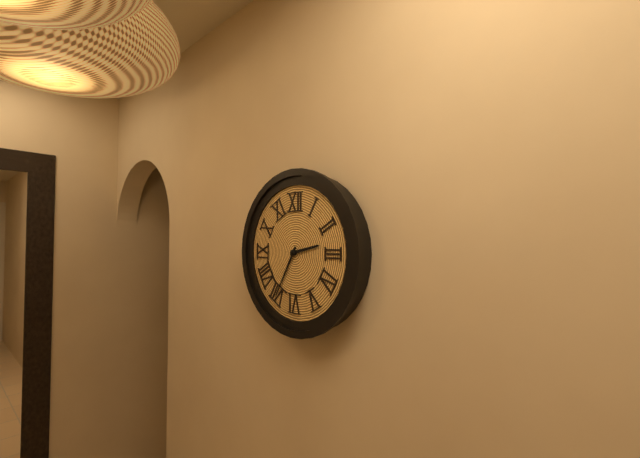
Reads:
h=2 m=35
